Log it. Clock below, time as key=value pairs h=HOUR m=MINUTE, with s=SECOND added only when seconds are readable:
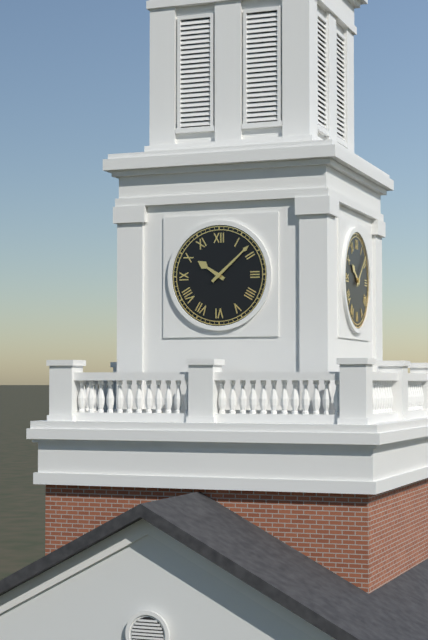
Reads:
h=10 m=8
